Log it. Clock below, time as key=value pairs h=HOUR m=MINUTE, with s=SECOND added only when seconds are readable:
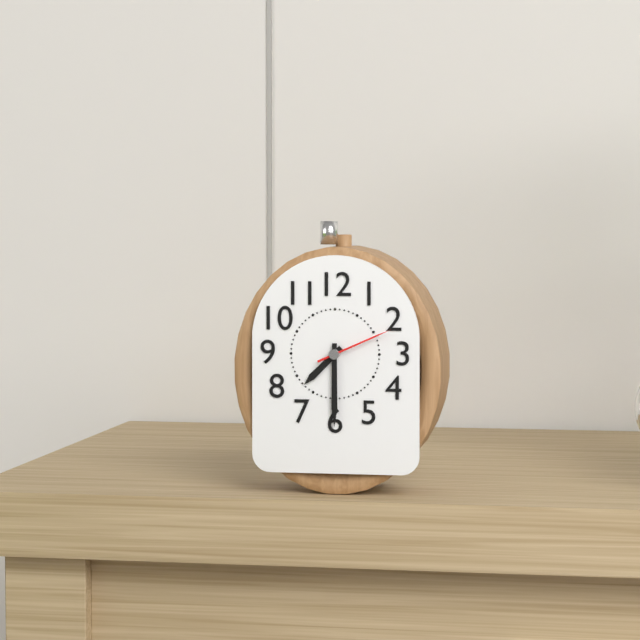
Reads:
h=7 m=30 s=11
